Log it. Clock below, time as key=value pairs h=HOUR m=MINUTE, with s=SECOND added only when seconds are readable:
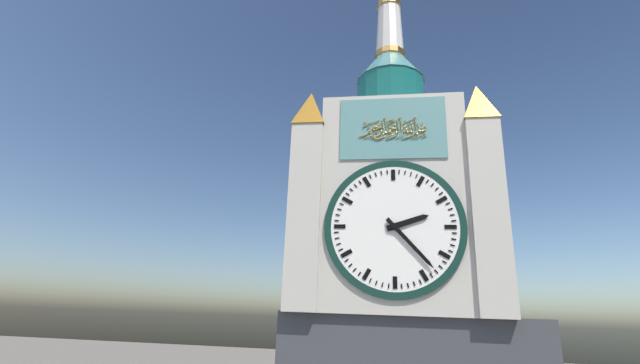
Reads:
h=2 m=23
